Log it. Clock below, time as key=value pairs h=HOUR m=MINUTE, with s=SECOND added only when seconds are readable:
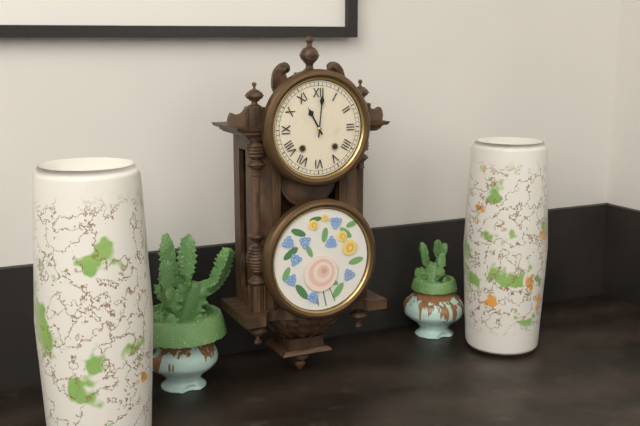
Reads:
h=11 m=1
